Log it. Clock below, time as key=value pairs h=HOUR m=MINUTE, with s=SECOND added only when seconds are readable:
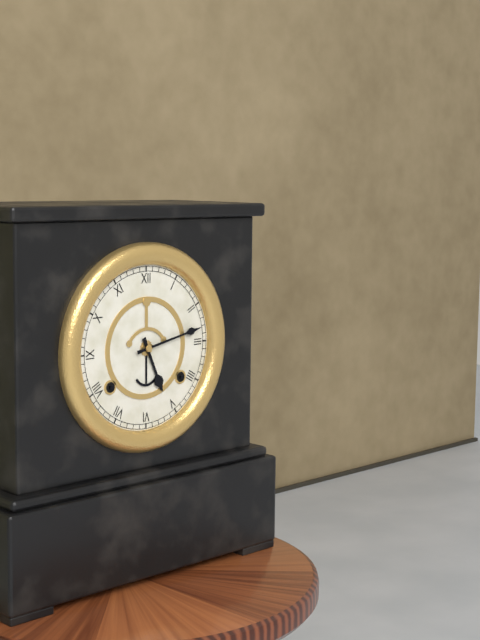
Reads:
h=5 m=13
